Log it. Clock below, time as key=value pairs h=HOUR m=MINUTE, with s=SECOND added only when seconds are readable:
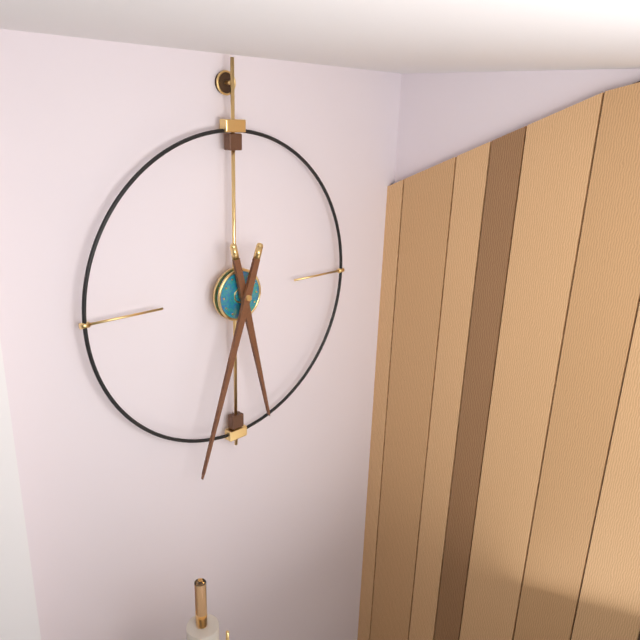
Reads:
h=5 m=33
